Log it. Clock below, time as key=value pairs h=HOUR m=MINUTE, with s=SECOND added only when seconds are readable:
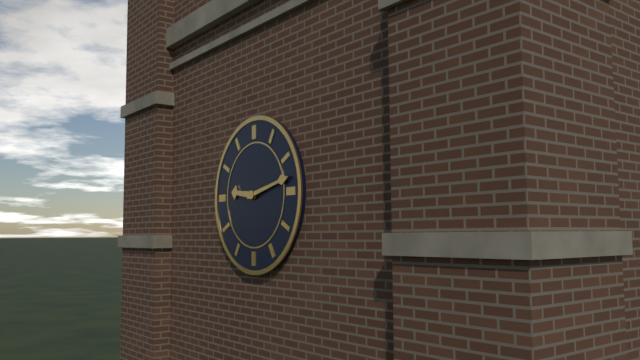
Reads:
h=9 m=13
